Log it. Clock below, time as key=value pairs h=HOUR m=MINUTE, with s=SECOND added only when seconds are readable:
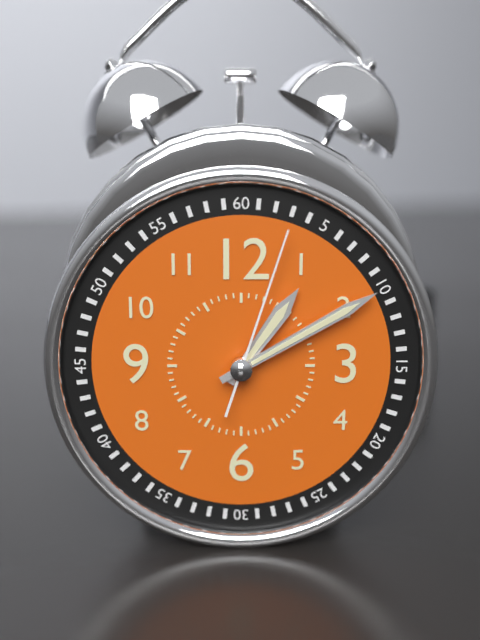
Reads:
h=1 m=10 s=3
